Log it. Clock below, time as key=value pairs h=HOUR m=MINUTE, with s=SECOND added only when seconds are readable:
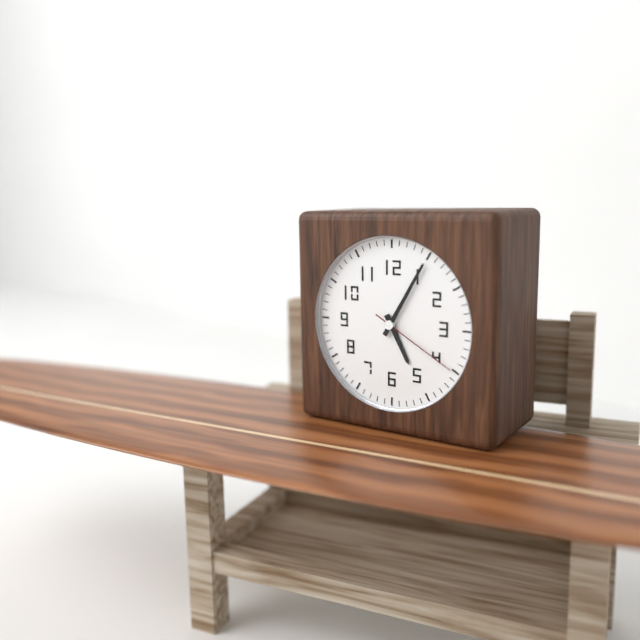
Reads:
h=5 m=5 s=20
